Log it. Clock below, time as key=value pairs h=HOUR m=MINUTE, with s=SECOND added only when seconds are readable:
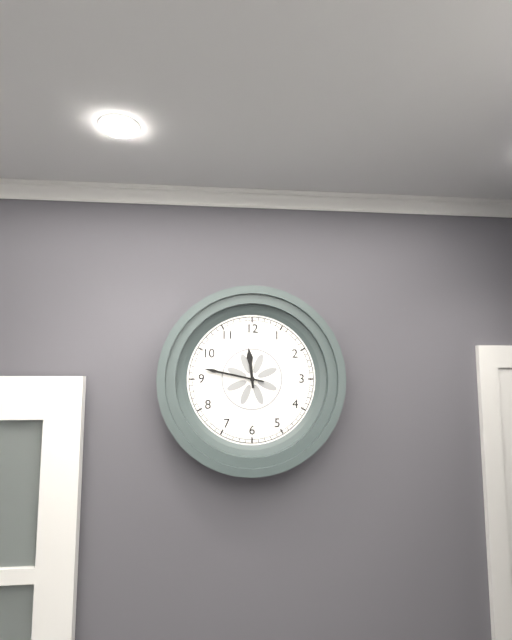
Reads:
h=11 m=47
